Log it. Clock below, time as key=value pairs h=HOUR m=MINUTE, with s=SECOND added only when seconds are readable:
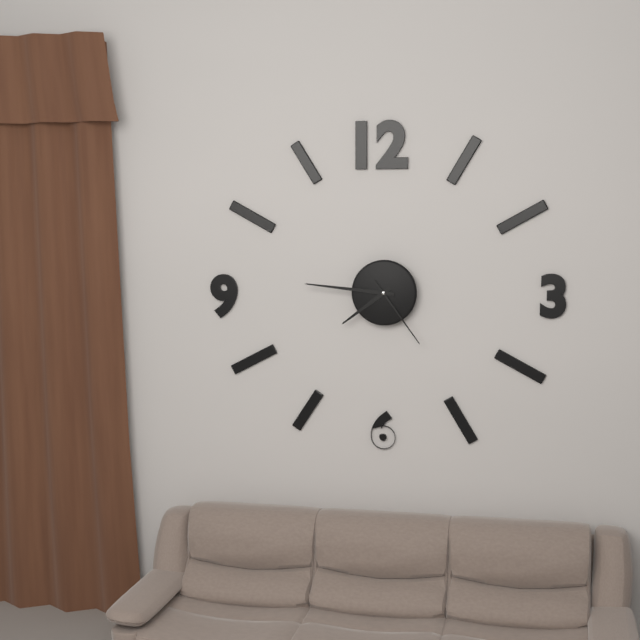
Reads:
h=7 m=46 s=24
